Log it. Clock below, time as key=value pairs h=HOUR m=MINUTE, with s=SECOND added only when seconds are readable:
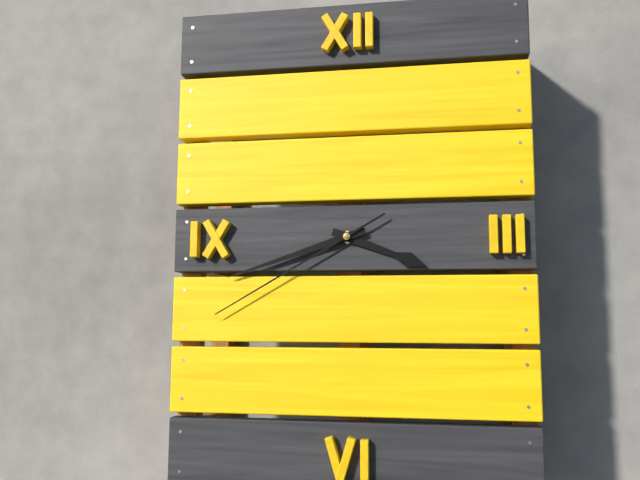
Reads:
h=3 m=42 s=40
